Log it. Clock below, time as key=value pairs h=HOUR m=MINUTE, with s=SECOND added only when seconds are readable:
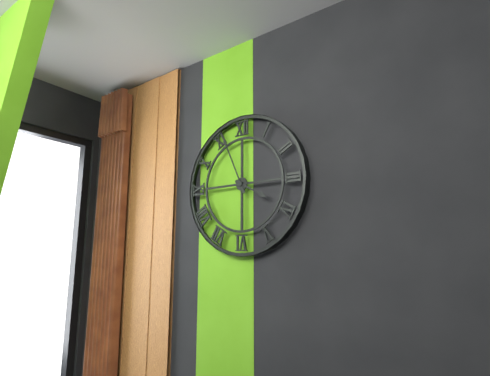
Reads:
h=3 m=56
